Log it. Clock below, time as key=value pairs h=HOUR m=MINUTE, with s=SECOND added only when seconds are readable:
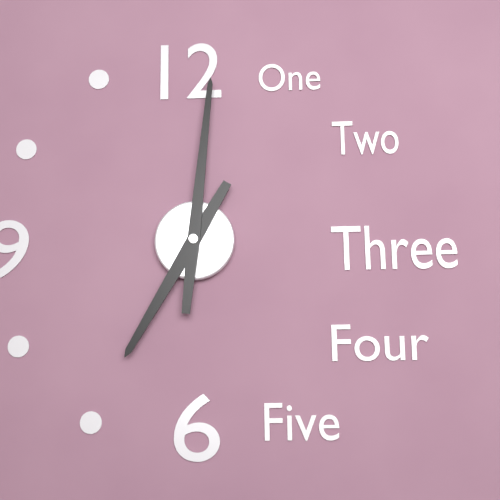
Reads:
h=7 m=1
